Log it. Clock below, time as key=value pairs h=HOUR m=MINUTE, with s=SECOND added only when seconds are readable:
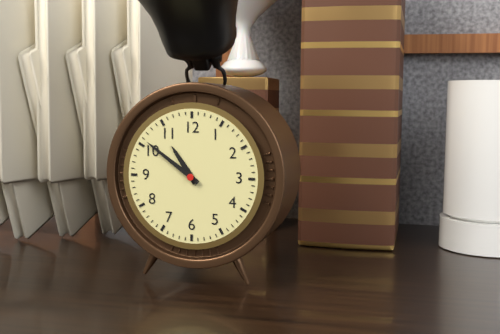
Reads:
h=10 m=51
